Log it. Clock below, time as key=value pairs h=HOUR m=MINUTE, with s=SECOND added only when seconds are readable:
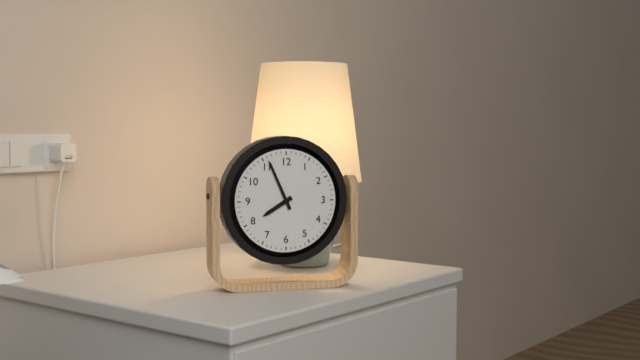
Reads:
h=7 m=56
